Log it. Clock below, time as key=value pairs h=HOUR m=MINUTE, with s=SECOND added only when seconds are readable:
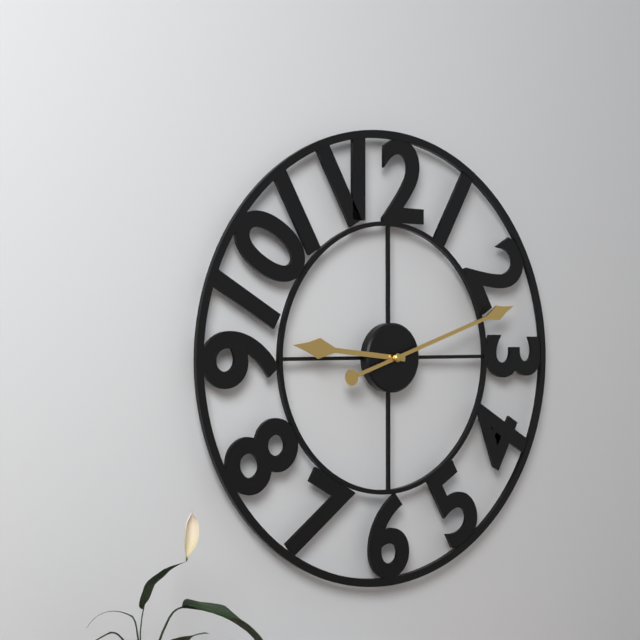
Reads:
h=9 m=12
